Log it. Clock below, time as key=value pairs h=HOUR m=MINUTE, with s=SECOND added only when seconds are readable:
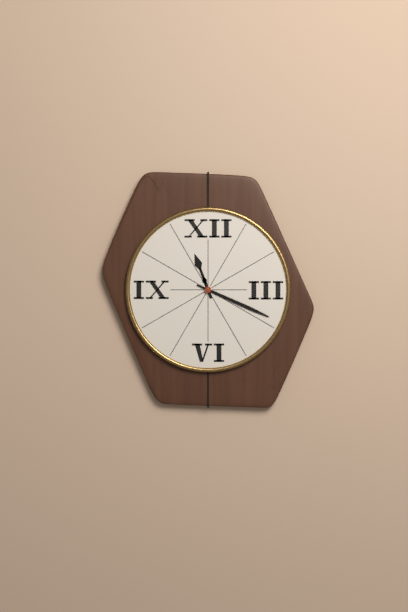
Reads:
h=11 m=19
